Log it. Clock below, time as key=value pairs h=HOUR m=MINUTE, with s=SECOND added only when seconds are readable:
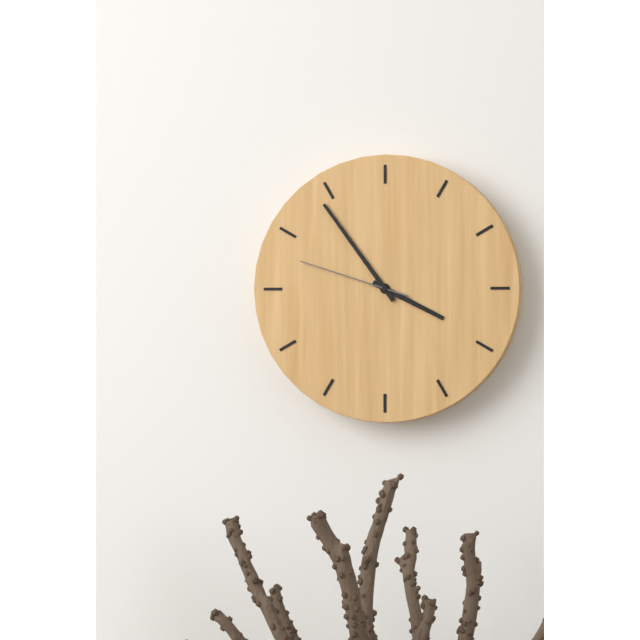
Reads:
h=3 m=54 s=48
